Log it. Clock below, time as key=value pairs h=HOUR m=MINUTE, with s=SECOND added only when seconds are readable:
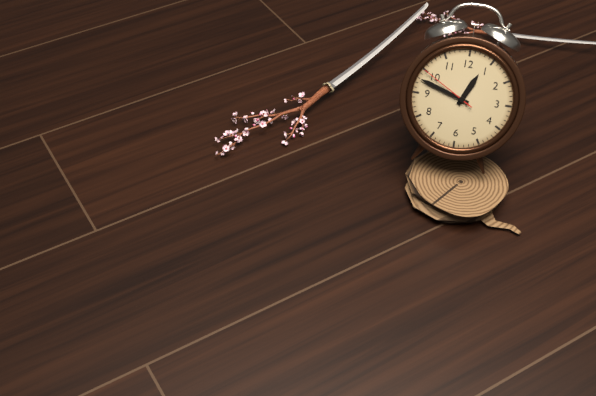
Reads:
h=12 m=48 s=50
